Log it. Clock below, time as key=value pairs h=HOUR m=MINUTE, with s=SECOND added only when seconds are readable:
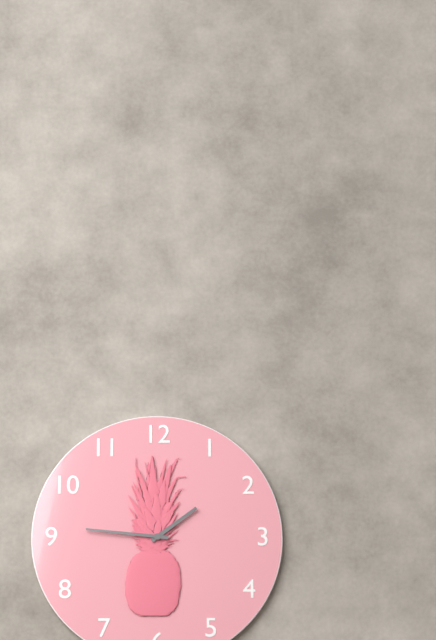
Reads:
h=1 m=46
